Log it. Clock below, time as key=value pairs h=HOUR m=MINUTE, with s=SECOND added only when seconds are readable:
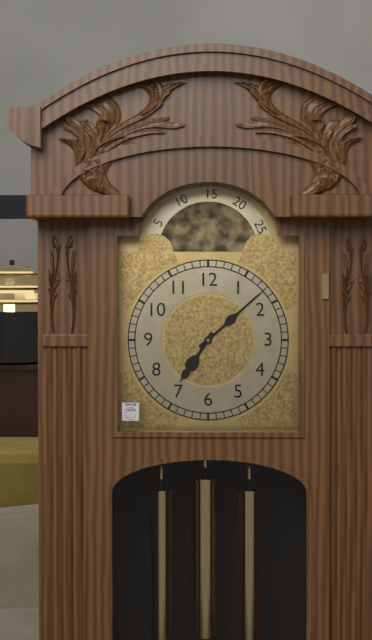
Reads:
h=7 m=8
